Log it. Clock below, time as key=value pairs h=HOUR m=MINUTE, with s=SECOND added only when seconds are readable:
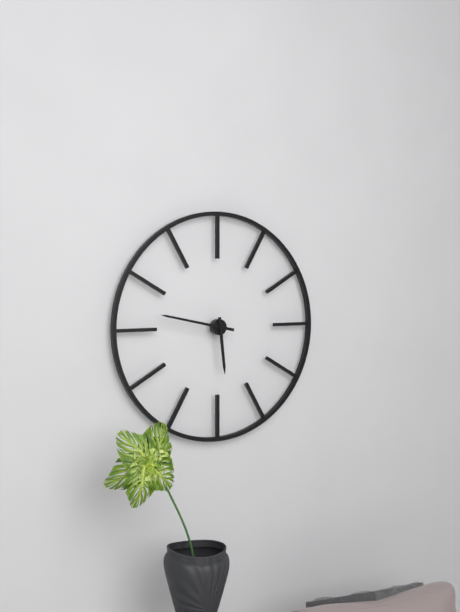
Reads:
h=5 m=47
